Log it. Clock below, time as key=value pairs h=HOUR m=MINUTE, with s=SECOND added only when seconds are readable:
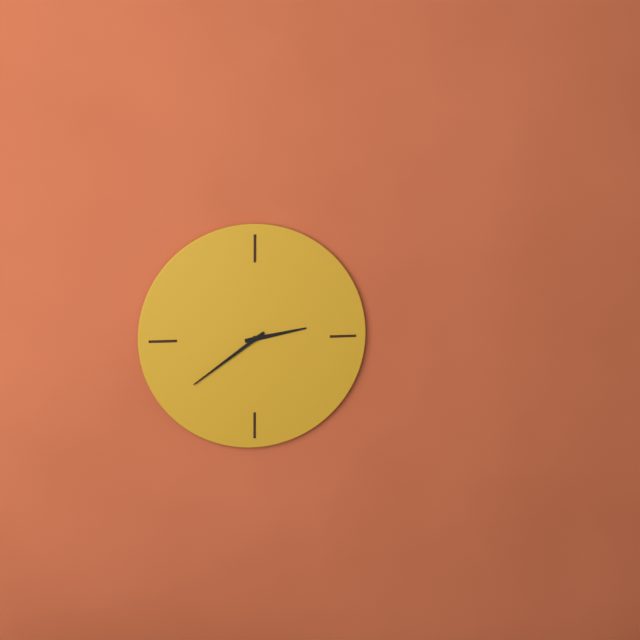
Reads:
h=2 m=39
